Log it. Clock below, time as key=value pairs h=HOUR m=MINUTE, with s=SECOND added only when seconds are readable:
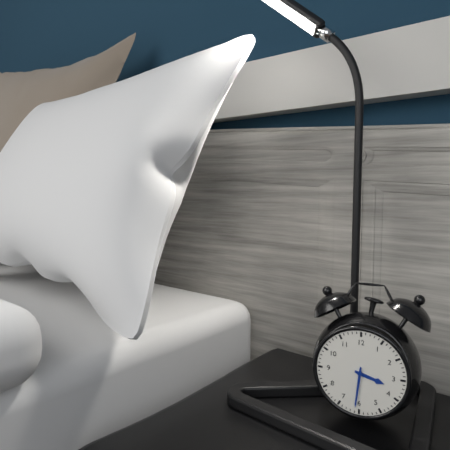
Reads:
h=3 m=31
